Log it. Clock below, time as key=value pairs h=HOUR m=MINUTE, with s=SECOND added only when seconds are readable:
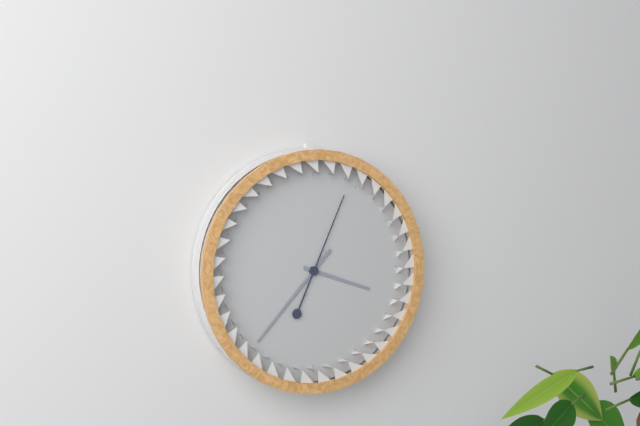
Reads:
h=3 m=37 s=4
